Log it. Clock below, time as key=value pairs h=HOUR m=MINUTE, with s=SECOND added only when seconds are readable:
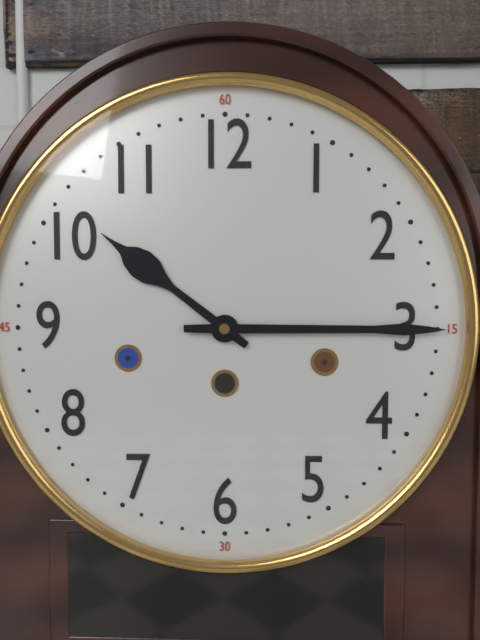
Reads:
h=10 m=15
